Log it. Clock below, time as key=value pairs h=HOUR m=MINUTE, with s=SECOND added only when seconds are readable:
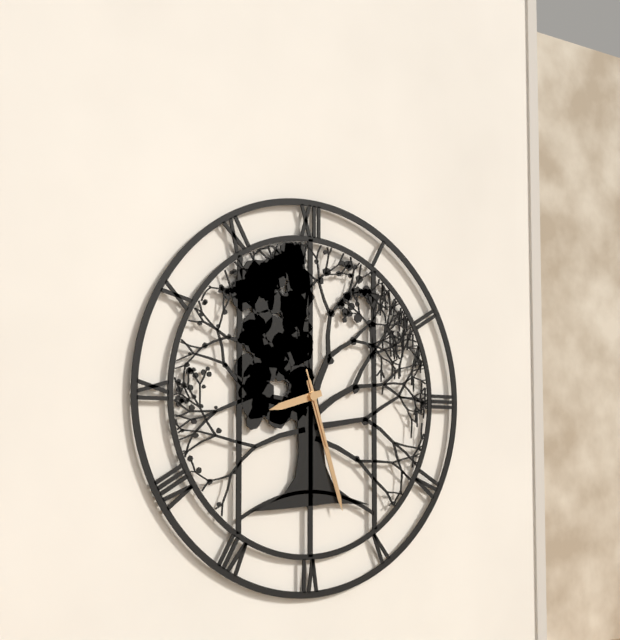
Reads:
h=8 m=27 s=27
